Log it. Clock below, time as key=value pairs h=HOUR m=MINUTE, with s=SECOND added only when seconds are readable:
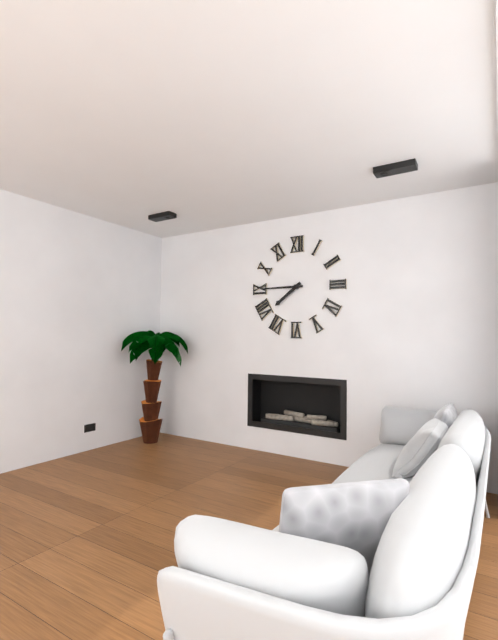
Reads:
h=7 m=45
